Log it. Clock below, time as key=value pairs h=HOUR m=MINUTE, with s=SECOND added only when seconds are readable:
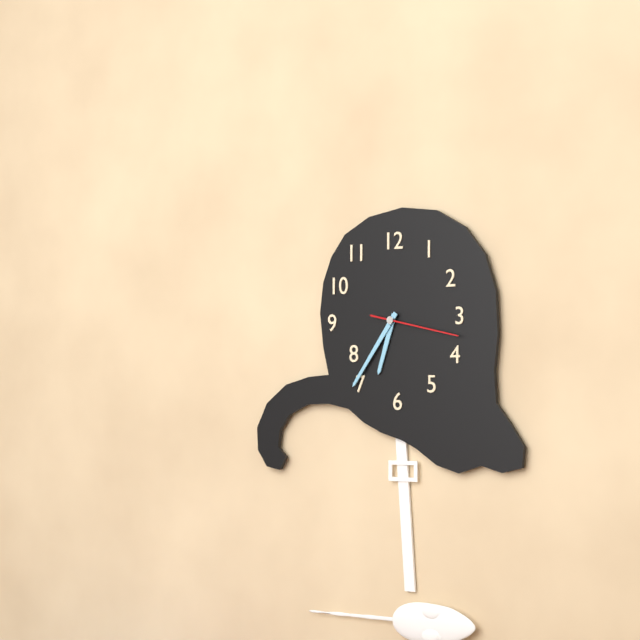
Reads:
h=6 m=36 s=17
